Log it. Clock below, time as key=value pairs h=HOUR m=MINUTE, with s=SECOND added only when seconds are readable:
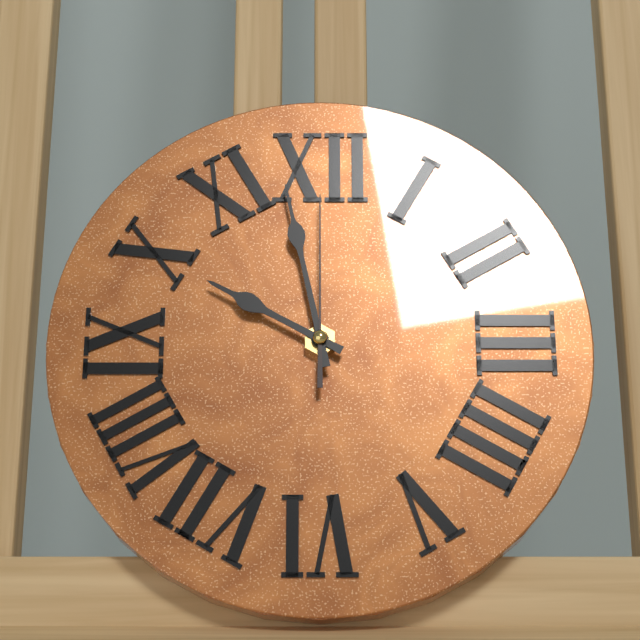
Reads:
h=9 m=58 s=0
